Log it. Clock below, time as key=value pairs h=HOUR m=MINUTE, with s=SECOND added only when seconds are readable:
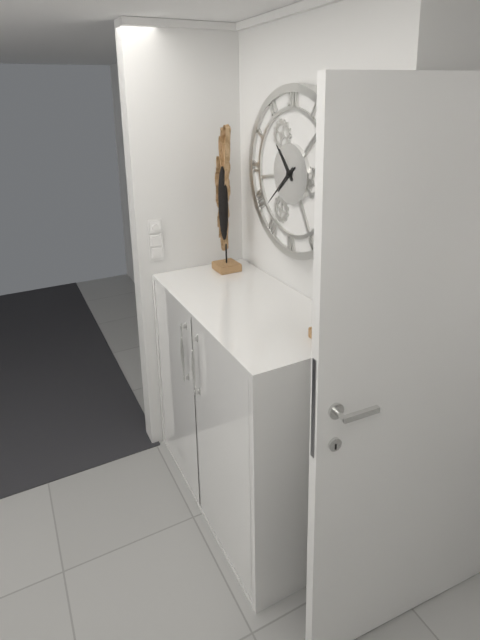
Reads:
h=10 m=38
